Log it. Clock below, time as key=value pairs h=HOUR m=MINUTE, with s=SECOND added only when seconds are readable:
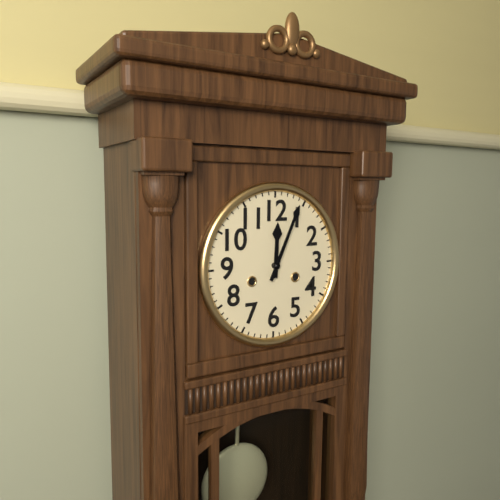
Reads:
h=12 m=4
